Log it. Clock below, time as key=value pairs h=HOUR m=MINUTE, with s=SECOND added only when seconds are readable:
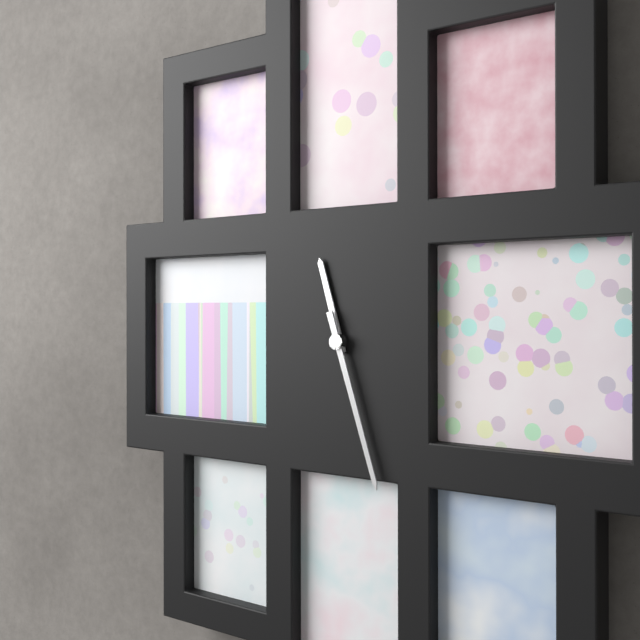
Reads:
h=11 m=27
